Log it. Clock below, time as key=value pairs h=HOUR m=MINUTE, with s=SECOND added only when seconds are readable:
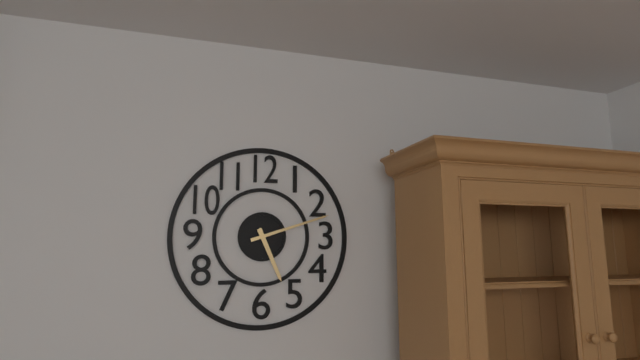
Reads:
h=5 m=12
